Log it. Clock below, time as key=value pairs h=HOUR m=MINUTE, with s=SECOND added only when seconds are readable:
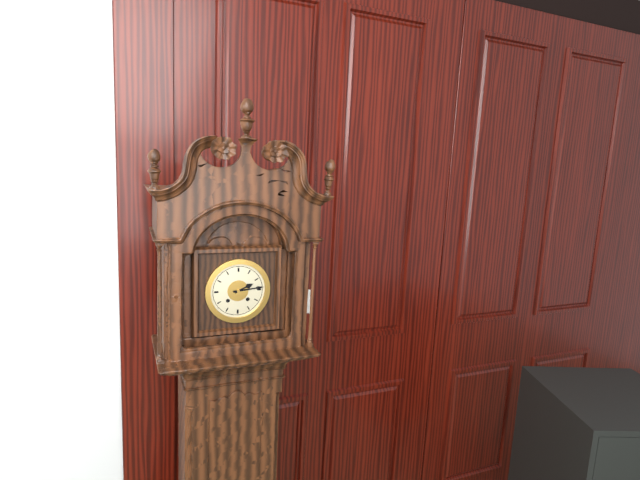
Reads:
h=2 m=14
